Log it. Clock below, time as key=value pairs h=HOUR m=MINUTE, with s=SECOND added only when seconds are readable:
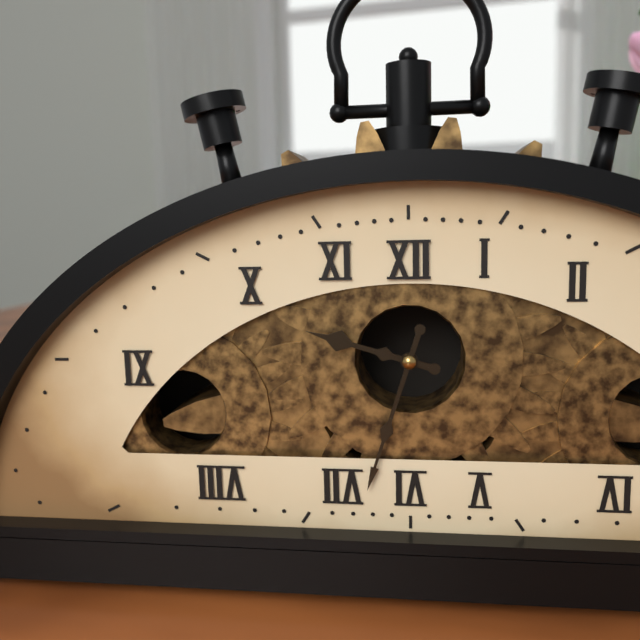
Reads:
h=9 m=33
